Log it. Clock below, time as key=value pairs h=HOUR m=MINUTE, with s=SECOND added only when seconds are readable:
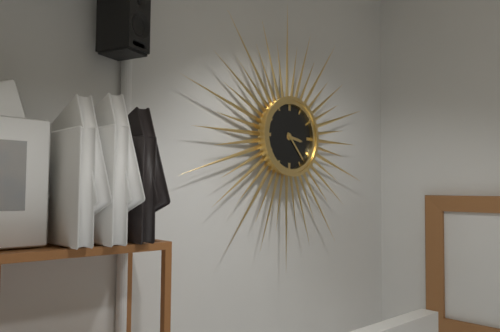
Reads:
h=3 m=23
